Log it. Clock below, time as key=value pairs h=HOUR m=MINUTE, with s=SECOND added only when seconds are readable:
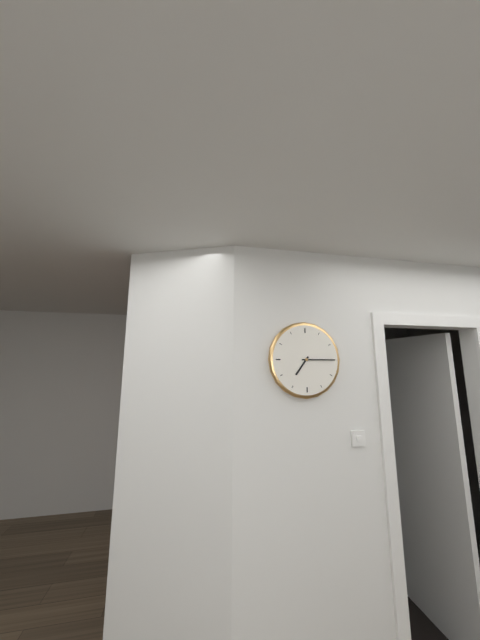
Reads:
h=7 m=15
